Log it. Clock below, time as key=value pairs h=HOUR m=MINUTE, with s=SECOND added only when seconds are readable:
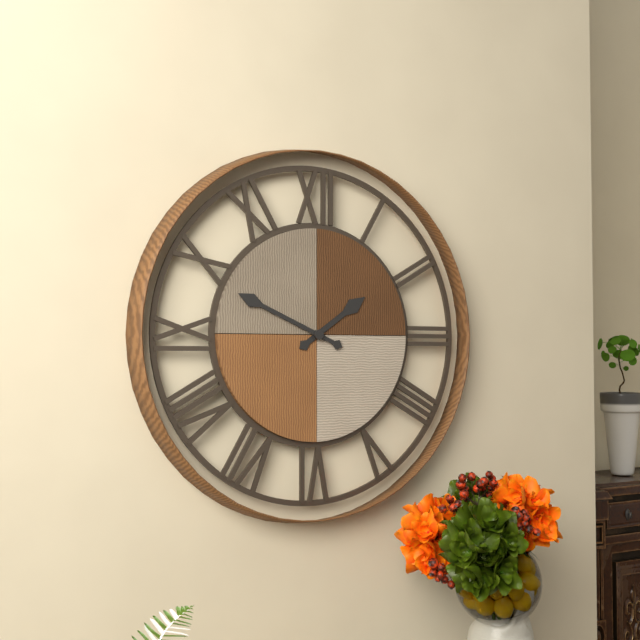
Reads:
h=1 m=49
